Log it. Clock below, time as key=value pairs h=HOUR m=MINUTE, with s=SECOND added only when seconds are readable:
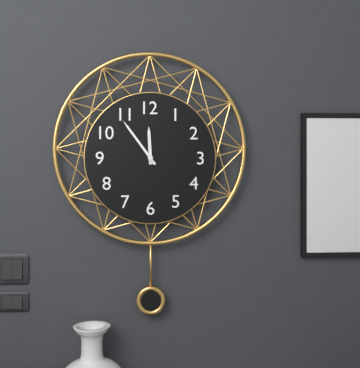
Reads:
h=11 m=54
